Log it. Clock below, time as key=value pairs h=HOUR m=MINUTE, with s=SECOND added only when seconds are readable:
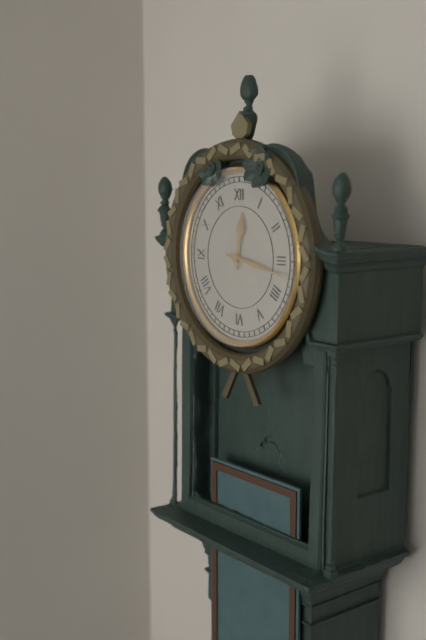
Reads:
h=12 m=17
